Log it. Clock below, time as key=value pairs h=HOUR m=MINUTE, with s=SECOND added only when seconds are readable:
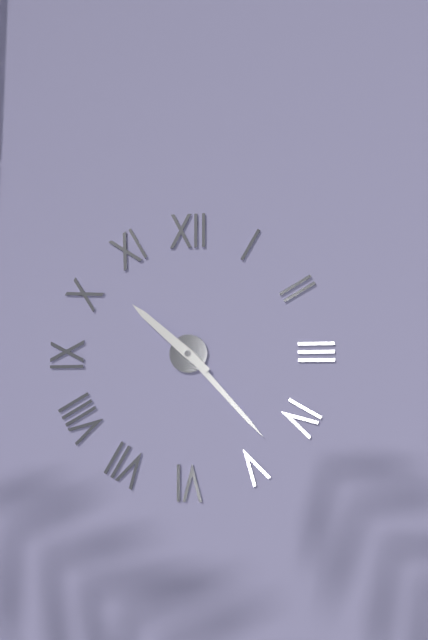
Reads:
h=10 m=23
